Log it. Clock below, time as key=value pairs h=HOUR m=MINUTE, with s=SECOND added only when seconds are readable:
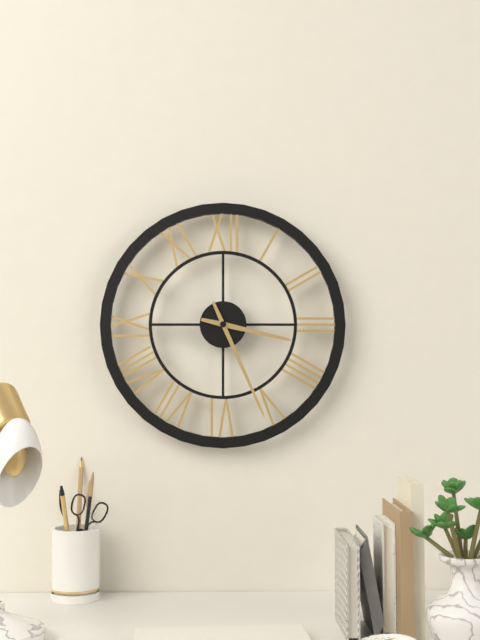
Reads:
h=3 m=26
